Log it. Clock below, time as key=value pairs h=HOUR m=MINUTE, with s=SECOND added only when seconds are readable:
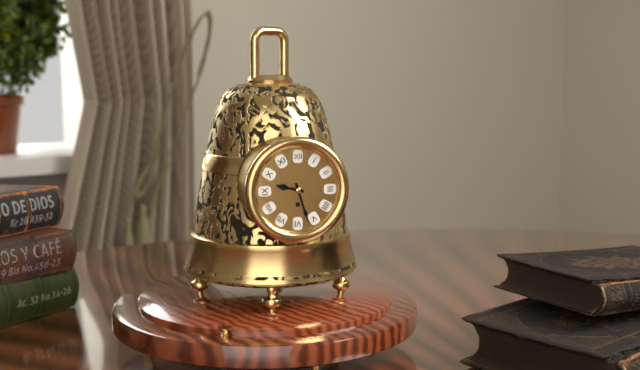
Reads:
h=9 m=27
